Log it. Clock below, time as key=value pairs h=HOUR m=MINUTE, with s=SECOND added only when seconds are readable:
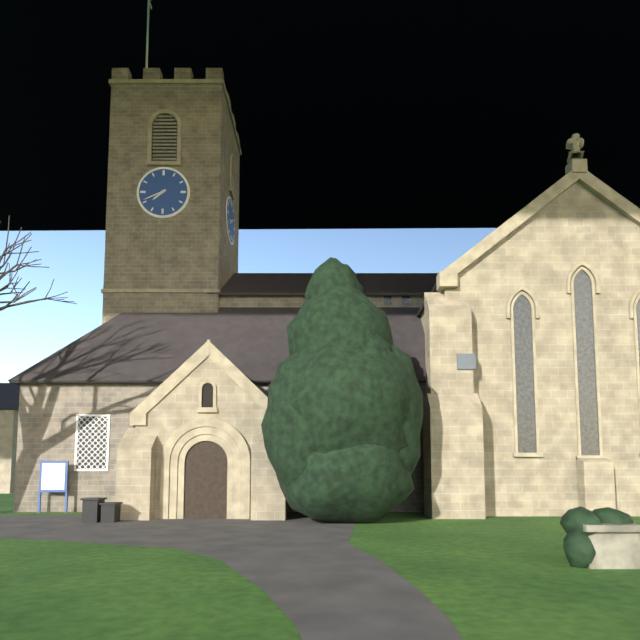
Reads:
h=7 m=41
